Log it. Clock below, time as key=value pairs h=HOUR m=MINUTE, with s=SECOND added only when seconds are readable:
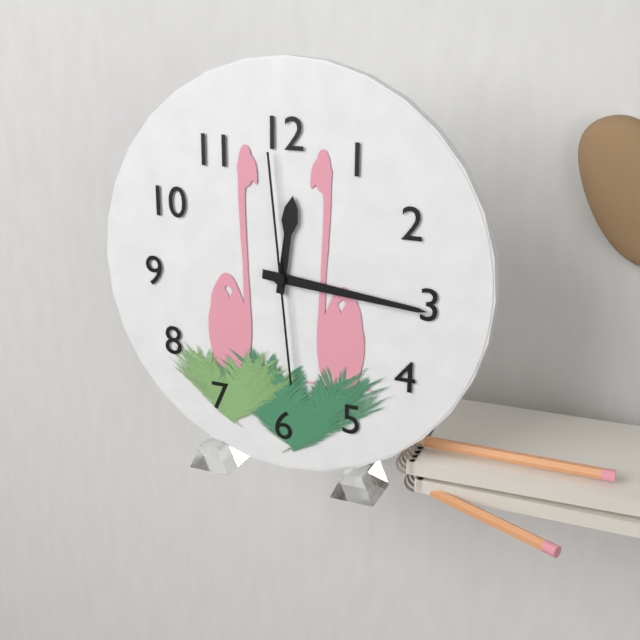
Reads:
h=12 m=16 s=59
